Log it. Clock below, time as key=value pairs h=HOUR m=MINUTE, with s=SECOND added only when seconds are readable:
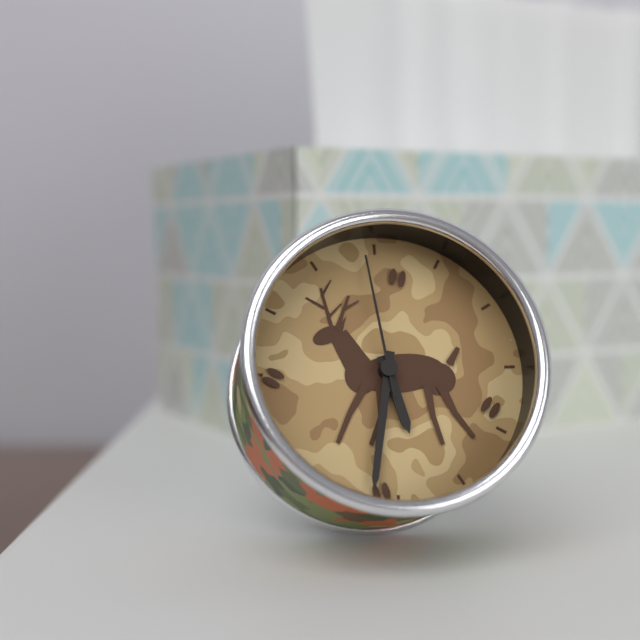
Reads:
h=5 m=32 s=59
